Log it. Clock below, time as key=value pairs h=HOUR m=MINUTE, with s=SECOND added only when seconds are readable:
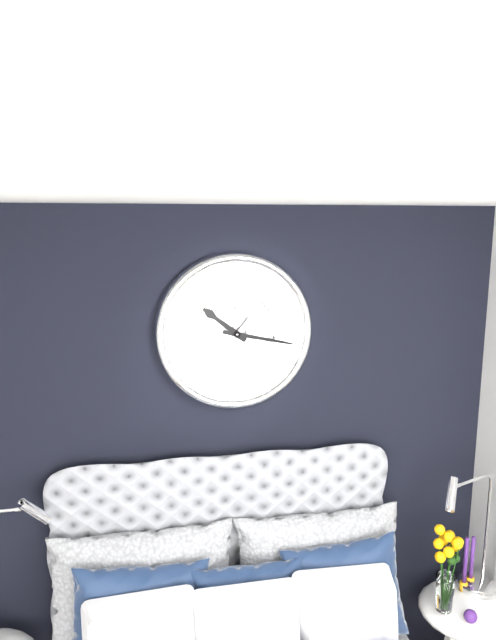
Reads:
h=10 m=17
